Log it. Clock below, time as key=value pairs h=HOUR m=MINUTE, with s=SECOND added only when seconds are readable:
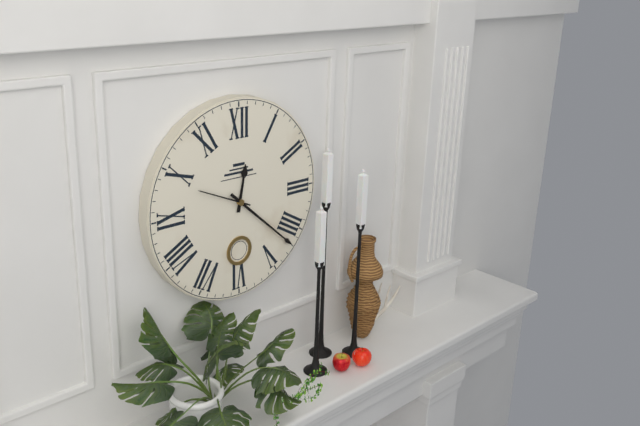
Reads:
h=12 m=22 s=49
